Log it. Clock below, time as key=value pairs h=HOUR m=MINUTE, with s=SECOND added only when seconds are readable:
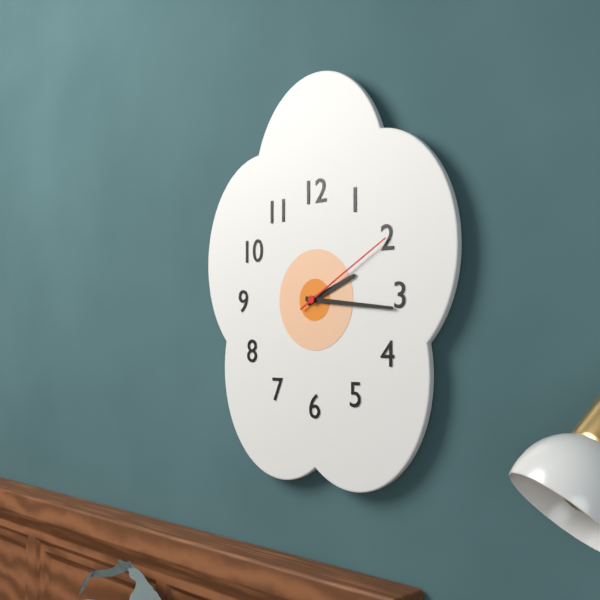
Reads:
h=2 m=16 s=10
